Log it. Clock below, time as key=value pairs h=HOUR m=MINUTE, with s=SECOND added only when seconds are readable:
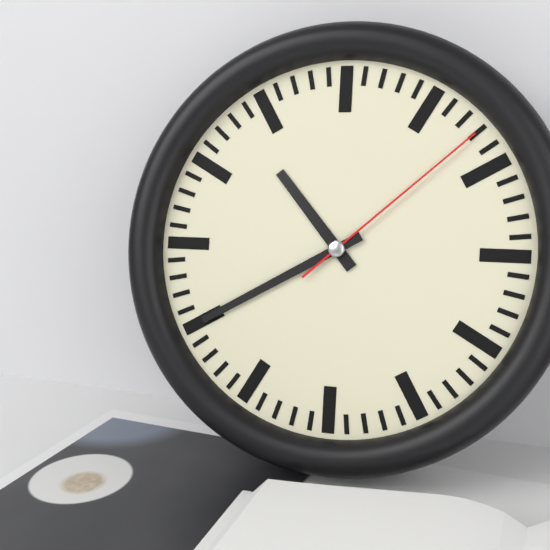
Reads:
h=10 m=40 s=8
